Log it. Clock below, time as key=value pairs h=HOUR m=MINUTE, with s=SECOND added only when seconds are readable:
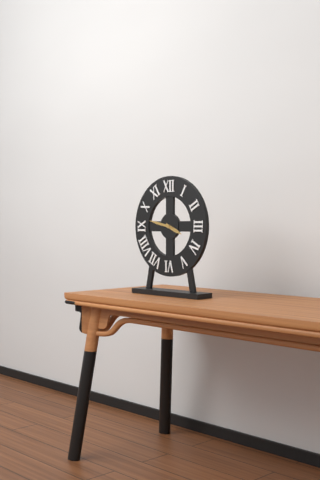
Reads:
h=3 m=47
